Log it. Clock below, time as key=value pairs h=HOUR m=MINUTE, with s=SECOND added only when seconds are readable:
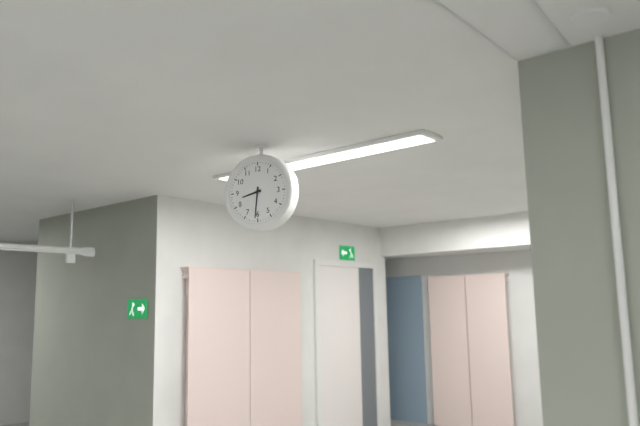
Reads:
h=8 m=31
